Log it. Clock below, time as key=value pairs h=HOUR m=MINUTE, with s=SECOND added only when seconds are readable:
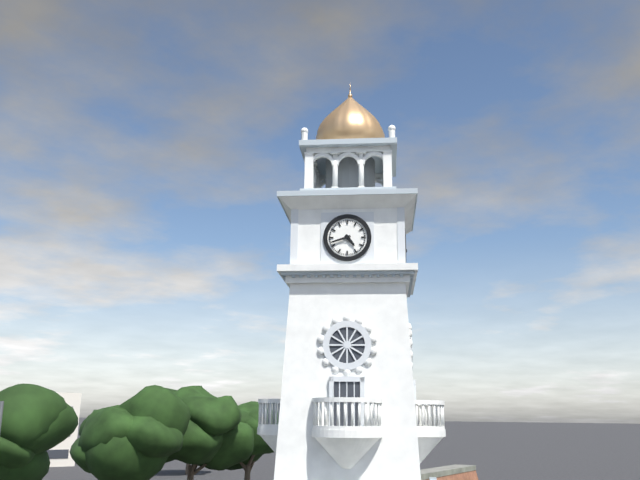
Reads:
h=4 m=42
